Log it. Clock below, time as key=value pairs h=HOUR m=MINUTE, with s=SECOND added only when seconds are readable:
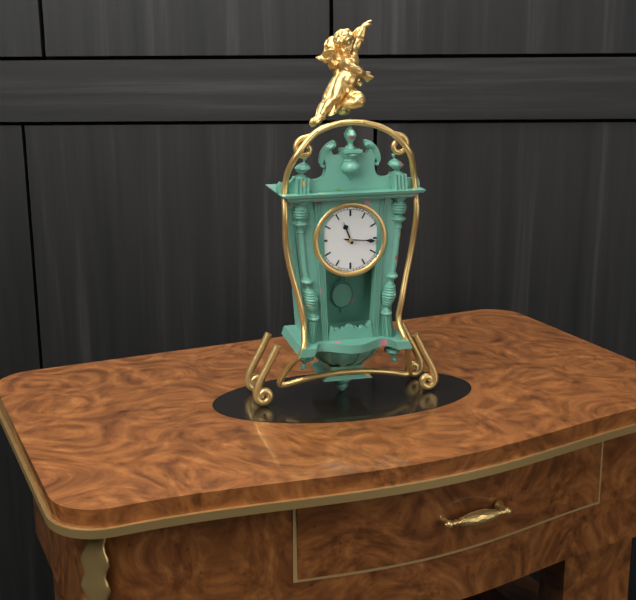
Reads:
h=11 m=16
